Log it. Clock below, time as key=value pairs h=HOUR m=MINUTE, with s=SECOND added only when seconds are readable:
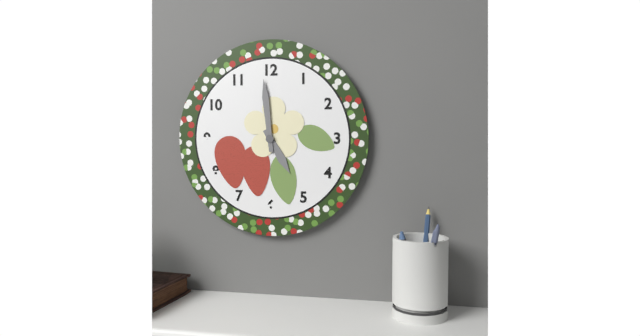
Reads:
h=4 m=59
